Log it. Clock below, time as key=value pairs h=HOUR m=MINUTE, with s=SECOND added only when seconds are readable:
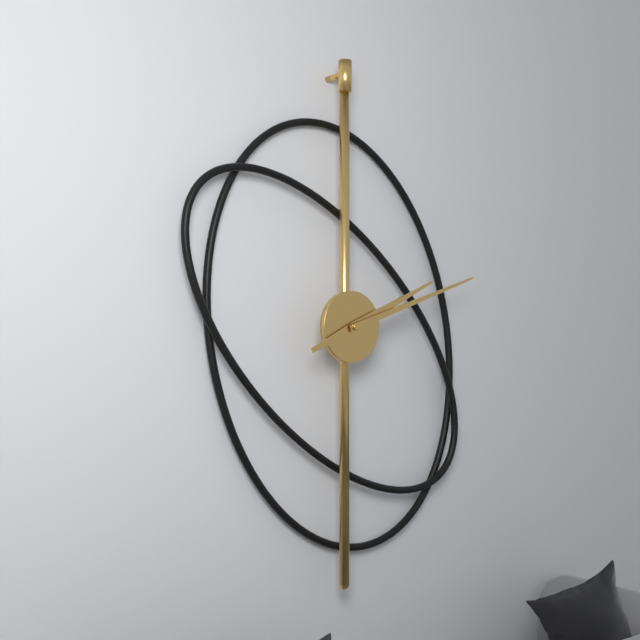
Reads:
h=2 m=12
